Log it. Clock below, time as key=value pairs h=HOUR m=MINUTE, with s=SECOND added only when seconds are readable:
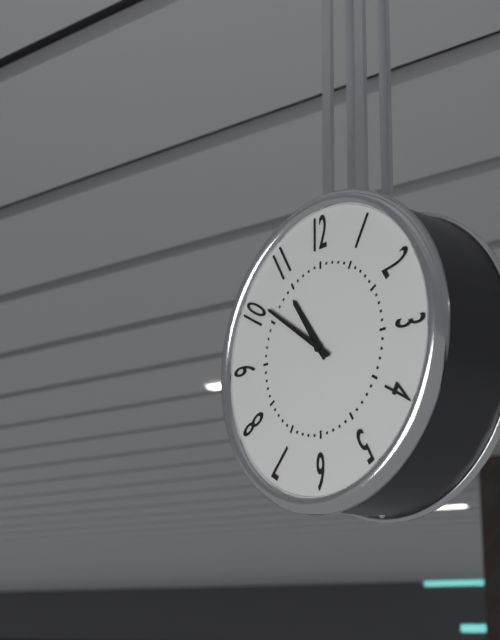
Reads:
h=10 m=51
